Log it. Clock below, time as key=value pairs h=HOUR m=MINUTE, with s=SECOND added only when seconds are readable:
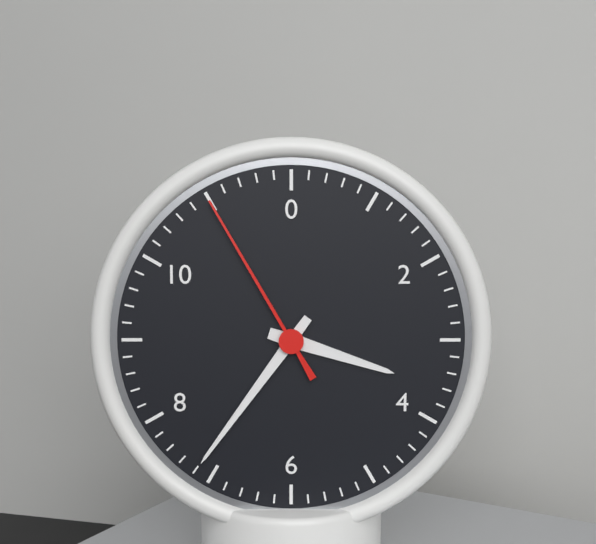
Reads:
h=3 m=36 s=55
